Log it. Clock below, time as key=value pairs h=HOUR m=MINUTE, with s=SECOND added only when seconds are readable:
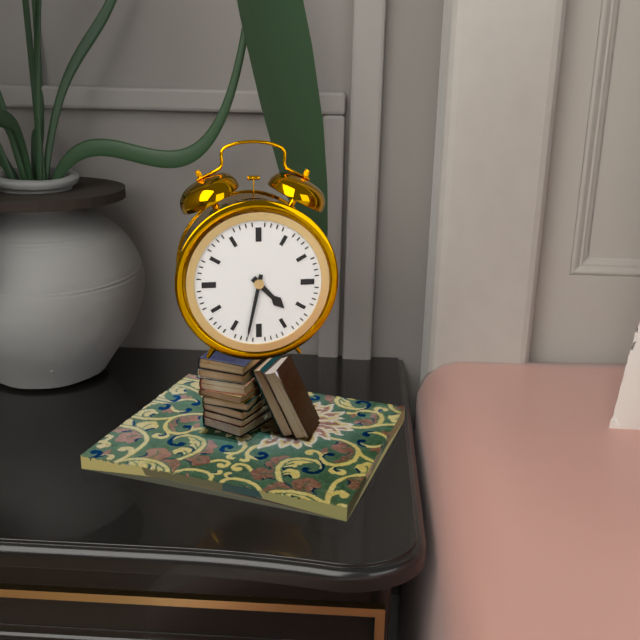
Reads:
h=4 m=32
